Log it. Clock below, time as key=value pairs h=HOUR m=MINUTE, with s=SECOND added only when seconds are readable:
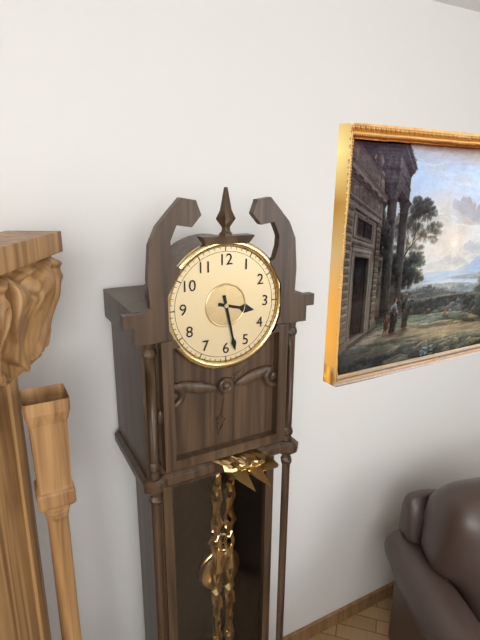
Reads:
h=3 m=28
